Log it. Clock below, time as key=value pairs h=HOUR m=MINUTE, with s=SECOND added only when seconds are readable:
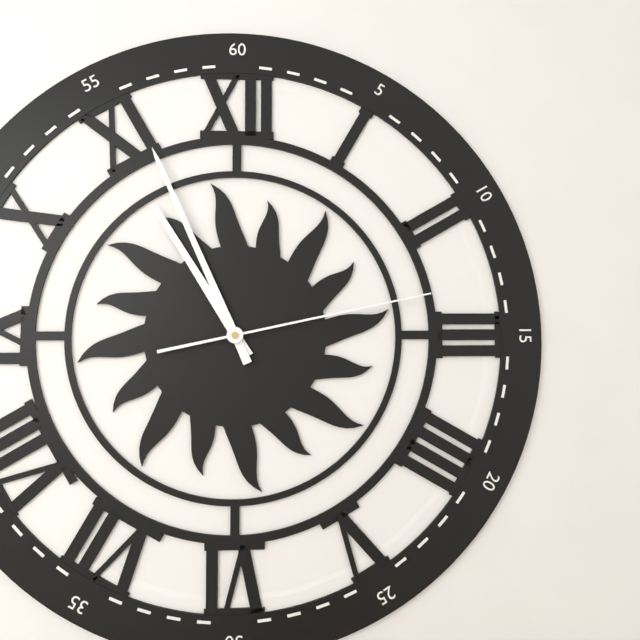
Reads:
h=10 m=56 s=13
